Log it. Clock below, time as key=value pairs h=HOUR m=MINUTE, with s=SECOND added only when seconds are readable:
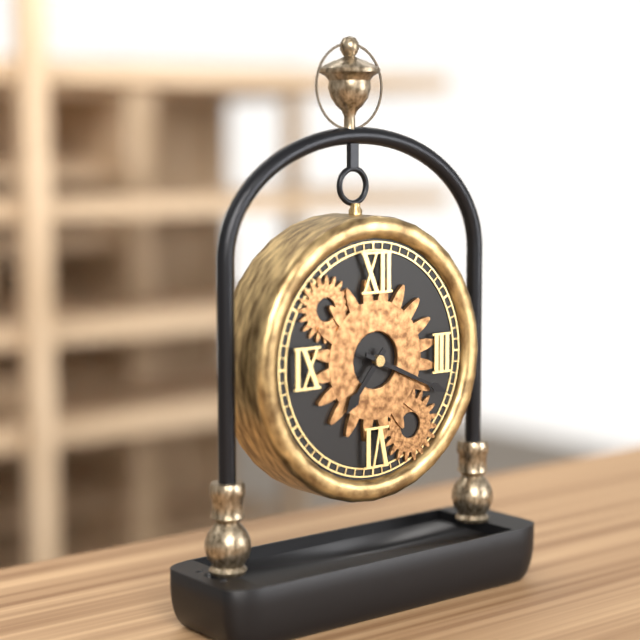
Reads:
h=7 m=19
